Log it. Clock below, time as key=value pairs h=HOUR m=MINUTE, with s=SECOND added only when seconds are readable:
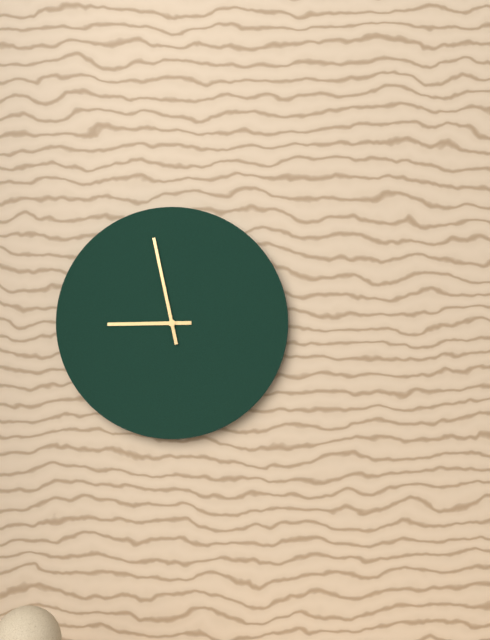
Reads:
h=8 m=58
